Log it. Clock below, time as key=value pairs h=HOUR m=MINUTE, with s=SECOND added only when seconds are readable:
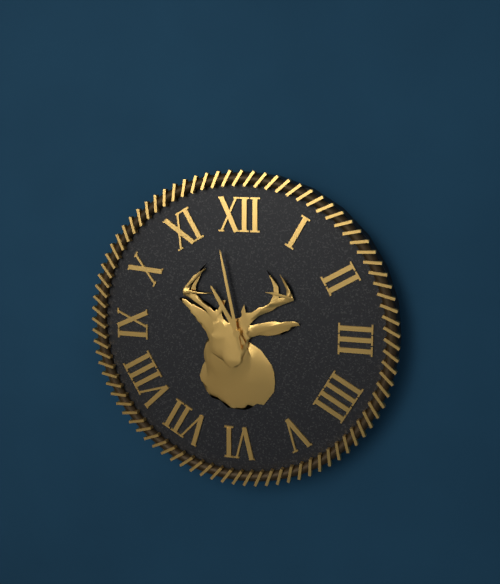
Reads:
h=10 m=58
